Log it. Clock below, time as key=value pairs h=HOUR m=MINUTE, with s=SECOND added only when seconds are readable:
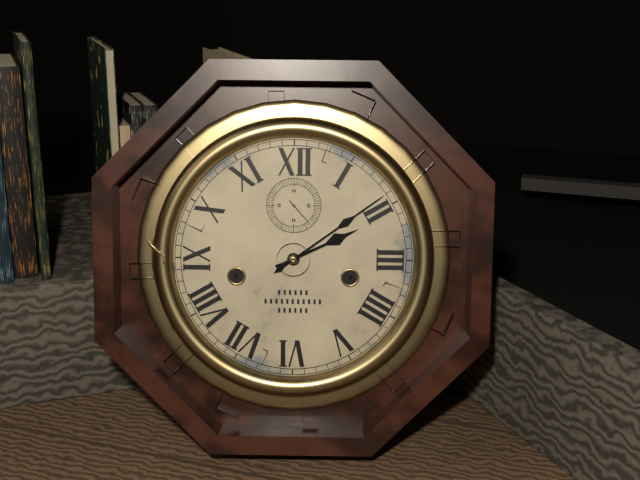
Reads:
h=2 m=9
